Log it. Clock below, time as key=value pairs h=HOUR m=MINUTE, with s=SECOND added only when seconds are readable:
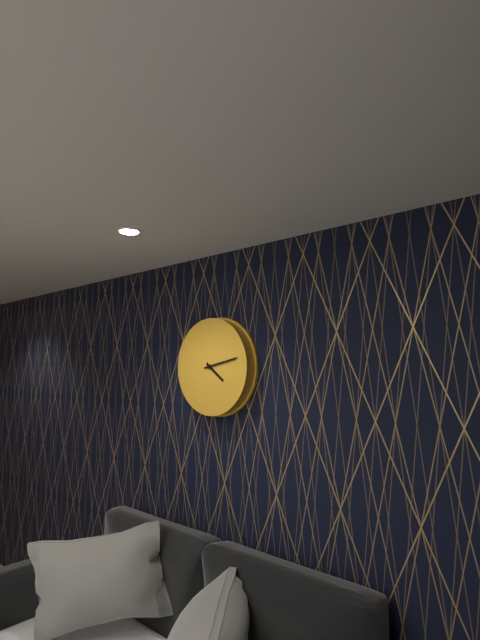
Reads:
h=4 m=13
